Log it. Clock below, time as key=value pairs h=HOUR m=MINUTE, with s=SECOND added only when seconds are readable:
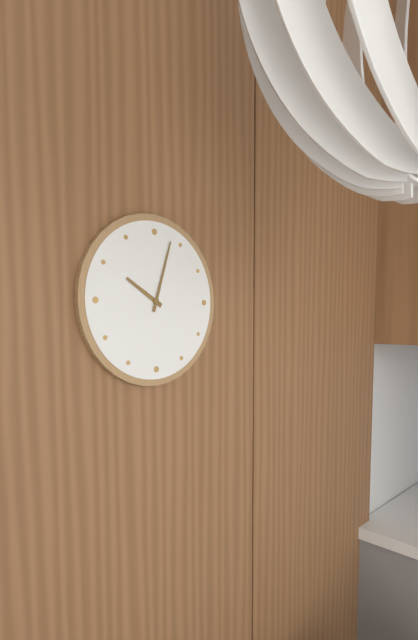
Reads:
h=10 m=3
